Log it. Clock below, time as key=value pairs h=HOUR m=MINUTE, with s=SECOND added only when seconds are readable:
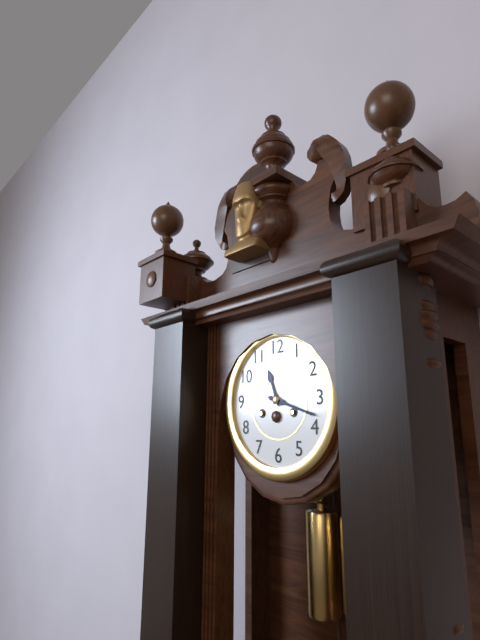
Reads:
h=11 m=18
